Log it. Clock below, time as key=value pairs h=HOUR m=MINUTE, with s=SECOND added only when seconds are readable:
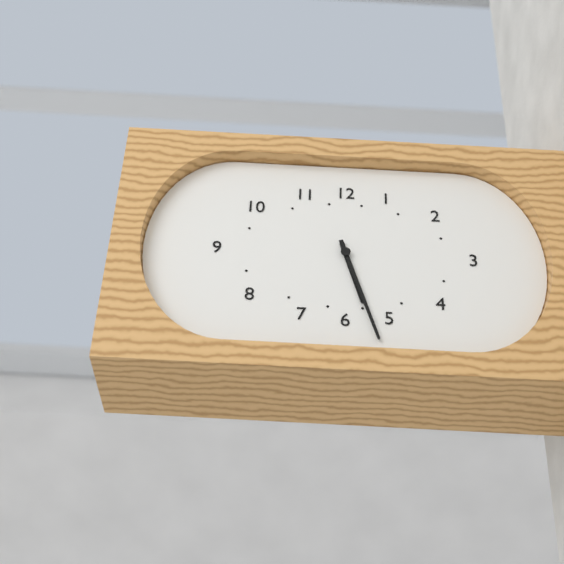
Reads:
h=5 m=27
